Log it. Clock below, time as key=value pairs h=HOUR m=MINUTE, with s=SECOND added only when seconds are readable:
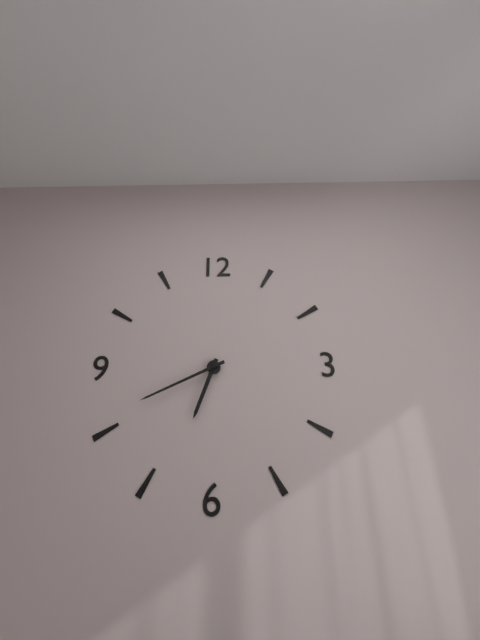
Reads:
h=6 m=41
